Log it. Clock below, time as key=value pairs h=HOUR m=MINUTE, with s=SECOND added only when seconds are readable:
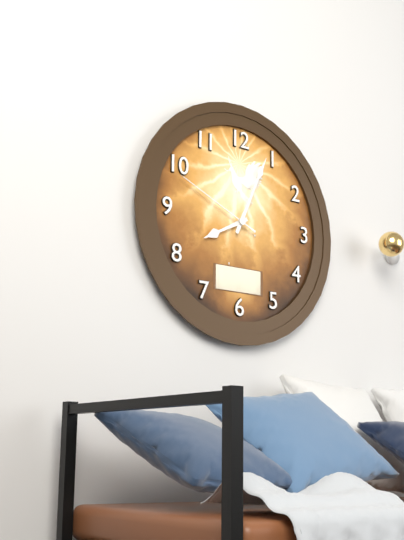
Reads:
h=8 m=4 s=49
